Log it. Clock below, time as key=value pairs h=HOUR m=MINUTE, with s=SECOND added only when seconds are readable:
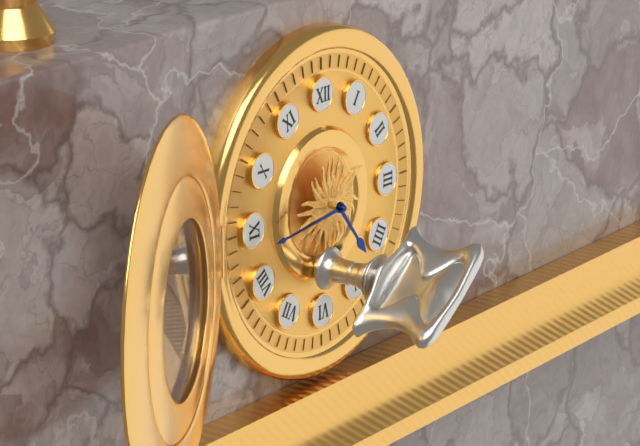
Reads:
h=4 m=44
